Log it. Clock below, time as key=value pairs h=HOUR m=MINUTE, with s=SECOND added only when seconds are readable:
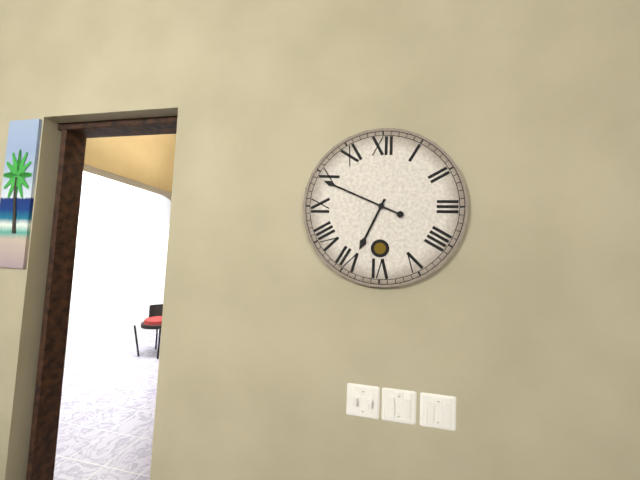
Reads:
h=6 m=49
